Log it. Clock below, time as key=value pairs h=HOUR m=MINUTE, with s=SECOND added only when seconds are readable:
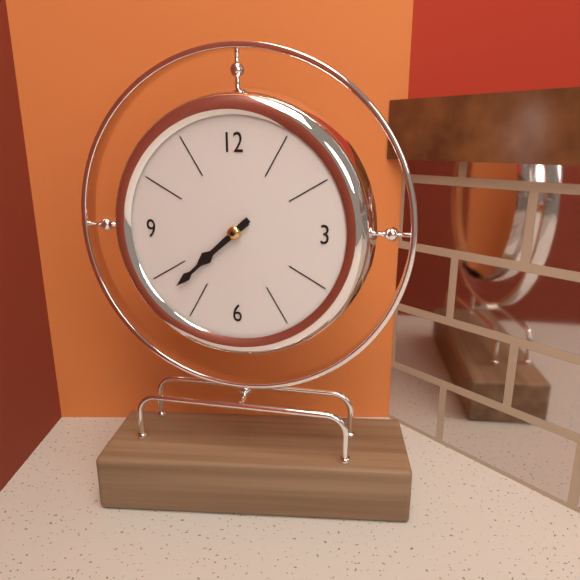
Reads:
h=7 m=38
